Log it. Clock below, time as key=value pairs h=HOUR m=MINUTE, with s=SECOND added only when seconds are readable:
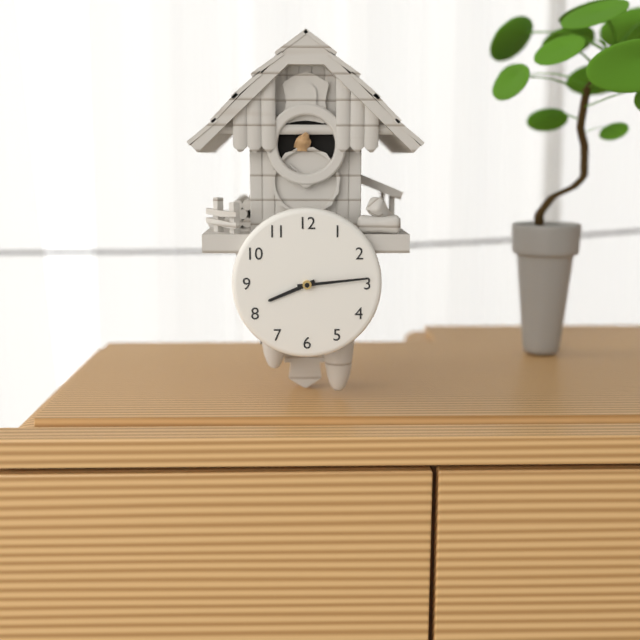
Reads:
h=8 m=14
